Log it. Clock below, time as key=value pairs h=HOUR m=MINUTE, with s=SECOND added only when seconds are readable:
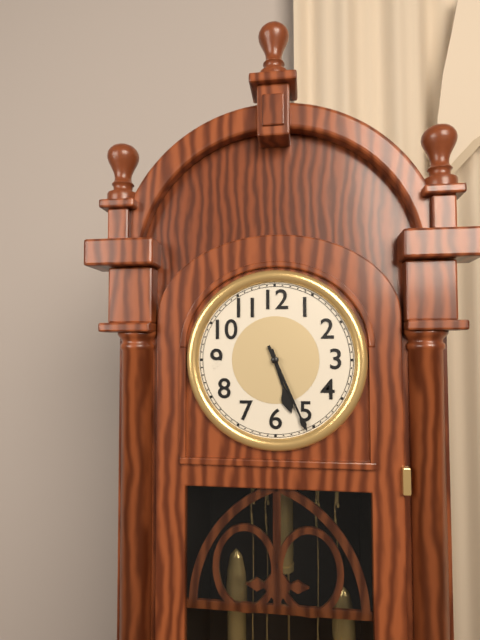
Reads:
h=5 m=26
